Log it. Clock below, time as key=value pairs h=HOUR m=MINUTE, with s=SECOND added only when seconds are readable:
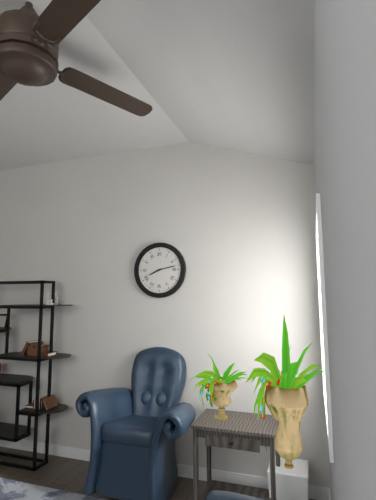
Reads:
h=8 m=13
